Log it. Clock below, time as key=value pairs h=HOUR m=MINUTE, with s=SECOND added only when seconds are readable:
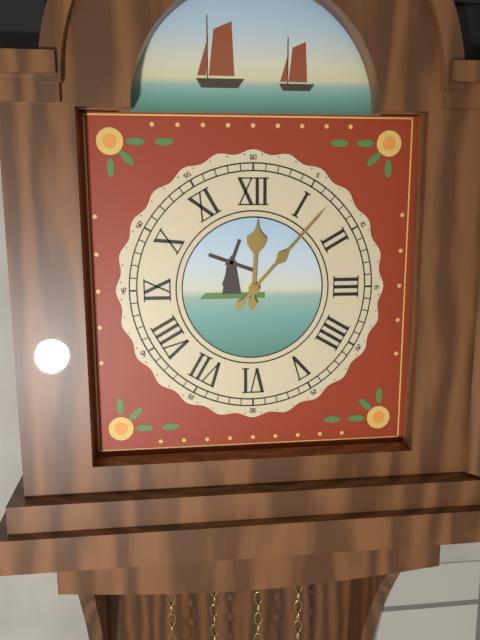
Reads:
h=12 m=7
